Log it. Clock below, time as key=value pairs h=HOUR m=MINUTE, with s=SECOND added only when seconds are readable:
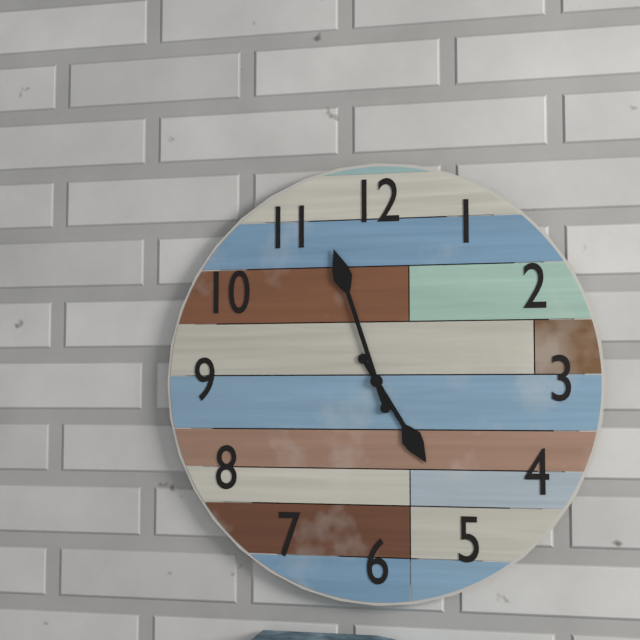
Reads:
h=4 m=57
